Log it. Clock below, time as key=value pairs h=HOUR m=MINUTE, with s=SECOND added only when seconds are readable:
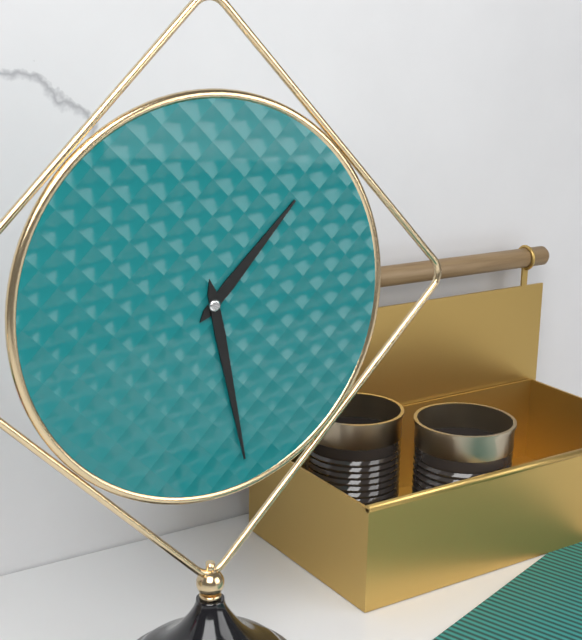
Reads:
h=1 m=28
